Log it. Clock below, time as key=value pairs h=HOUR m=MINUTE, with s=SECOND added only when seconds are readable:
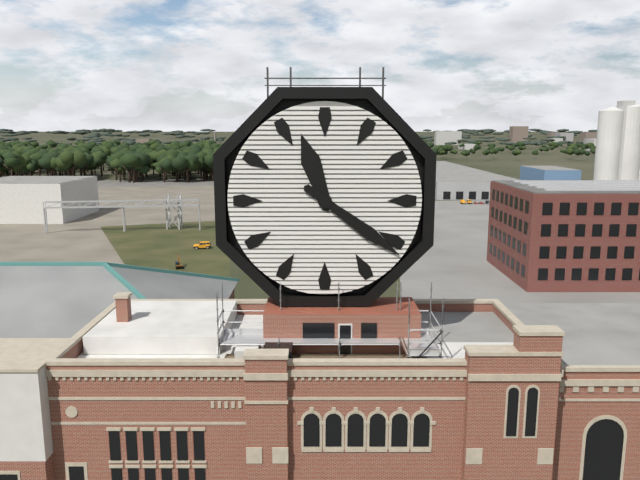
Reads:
h=11 m=21
